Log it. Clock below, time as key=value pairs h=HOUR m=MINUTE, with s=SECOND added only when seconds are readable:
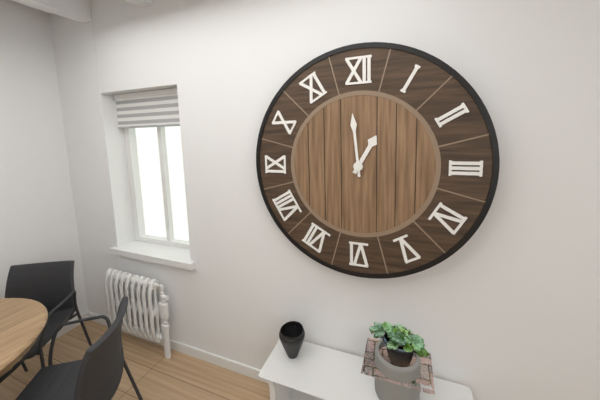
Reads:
h=12 m=59
